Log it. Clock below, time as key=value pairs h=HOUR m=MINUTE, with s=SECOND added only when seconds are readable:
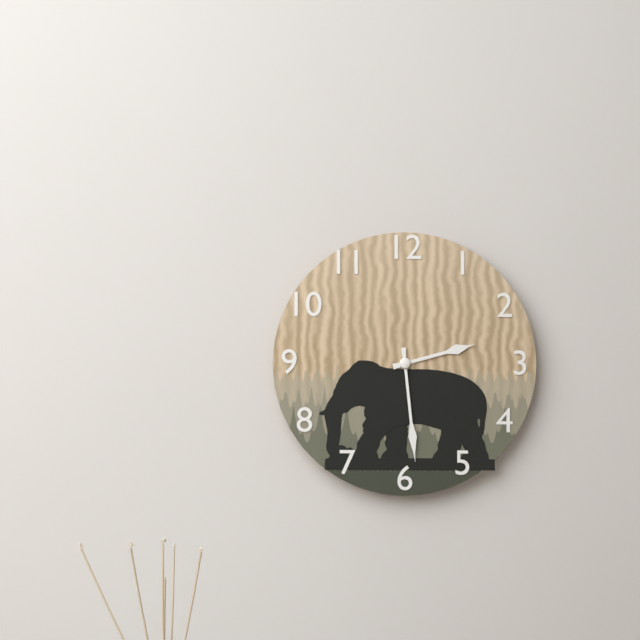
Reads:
h=2 m=29
